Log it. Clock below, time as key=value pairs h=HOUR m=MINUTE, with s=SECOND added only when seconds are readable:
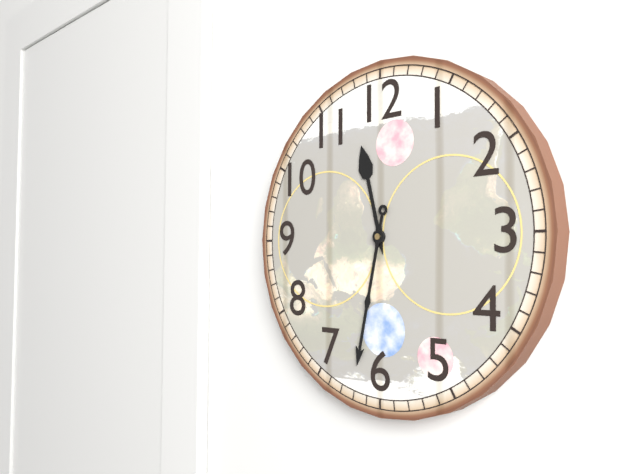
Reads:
h=11 m=32
